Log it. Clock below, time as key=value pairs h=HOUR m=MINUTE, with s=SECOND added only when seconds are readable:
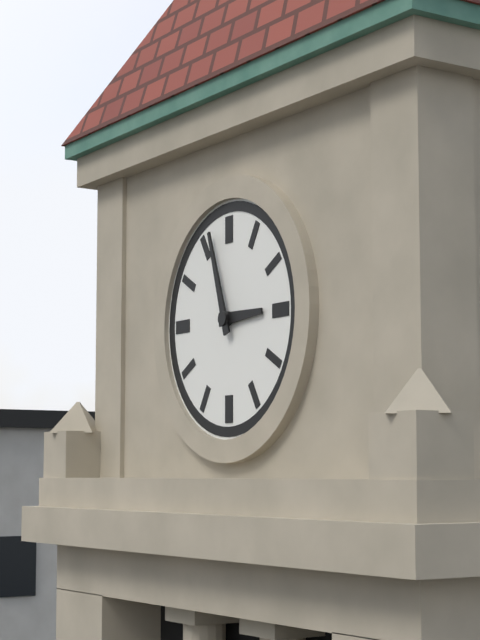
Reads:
h=2 m=57
